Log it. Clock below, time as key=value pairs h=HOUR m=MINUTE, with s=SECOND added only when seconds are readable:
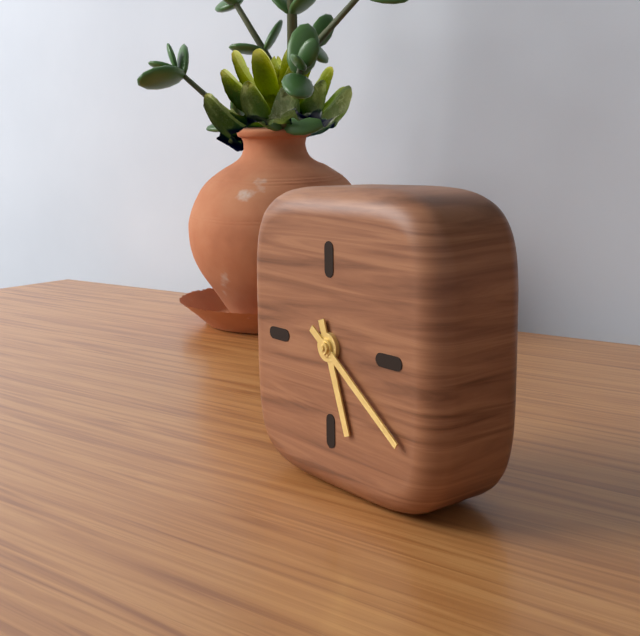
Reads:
h=5 m=21
